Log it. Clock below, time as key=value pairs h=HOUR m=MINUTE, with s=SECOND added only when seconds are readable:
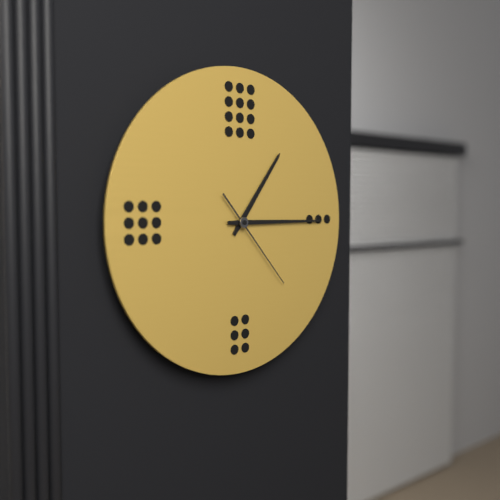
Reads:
h=1 m=15 s=23
